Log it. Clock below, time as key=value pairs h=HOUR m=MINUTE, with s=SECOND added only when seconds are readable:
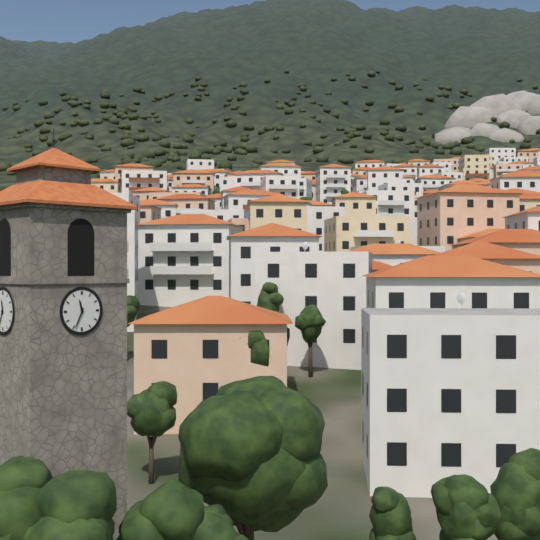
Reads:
h=11 m=34
